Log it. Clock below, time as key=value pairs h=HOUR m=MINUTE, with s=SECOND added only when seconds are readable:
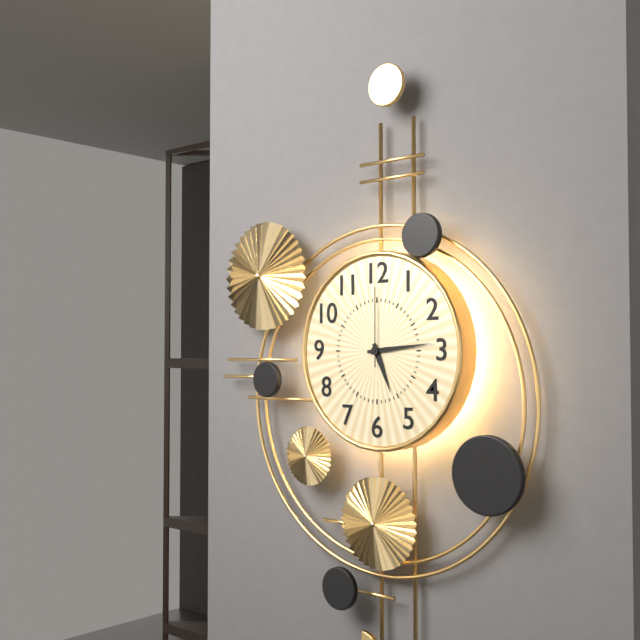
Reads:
h=5 m=14 s=0
